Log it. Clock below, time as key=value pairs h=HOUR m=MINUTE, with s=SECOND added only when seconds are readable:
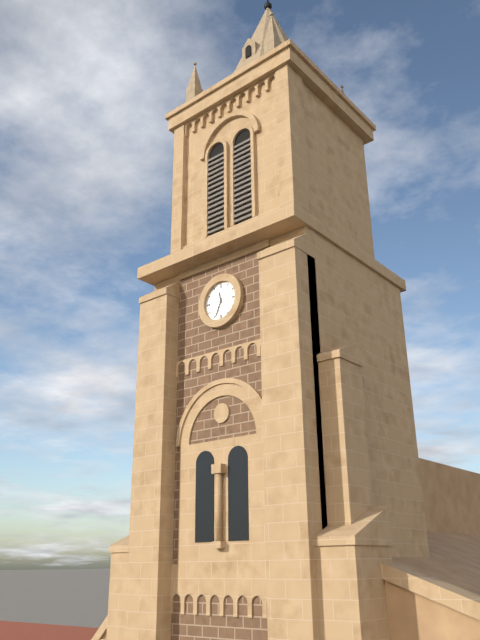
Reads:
h=11 m=34
